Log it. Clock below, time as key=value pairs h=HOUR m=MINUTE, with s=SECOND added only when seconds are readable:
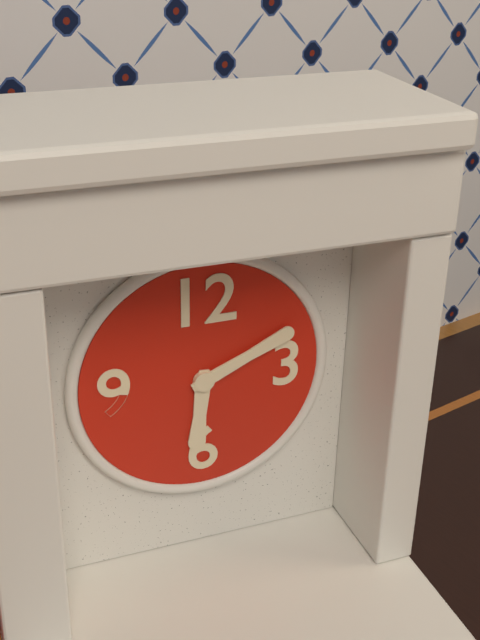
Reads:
h=6 m=11
